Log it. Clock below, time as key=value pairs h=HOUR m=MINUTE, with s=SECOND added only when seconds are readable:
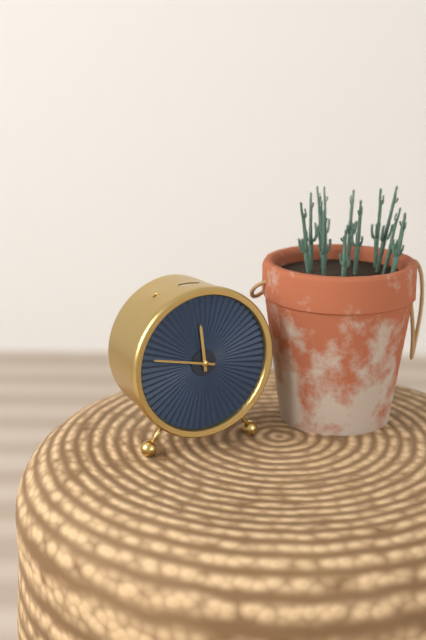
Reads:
h=11 m=47
